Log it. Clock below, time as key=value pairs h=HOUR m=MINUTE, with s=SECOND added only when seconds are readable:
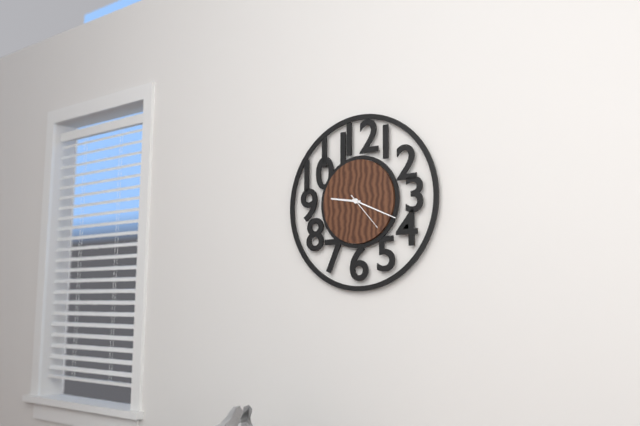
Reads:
h=9 m=19
